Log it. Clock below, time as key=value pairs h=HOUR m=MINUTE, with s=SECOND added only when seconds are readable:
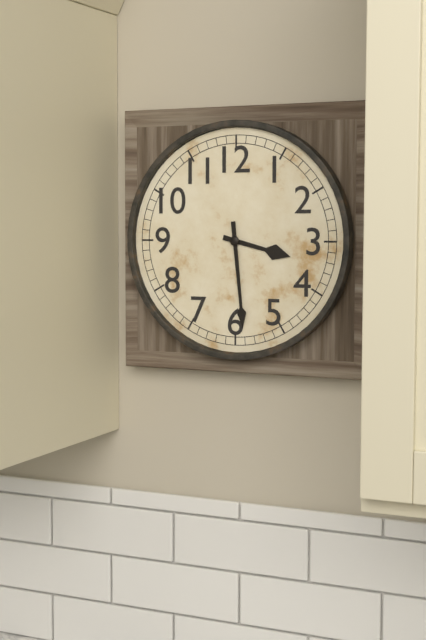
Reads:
h=3 m=29
